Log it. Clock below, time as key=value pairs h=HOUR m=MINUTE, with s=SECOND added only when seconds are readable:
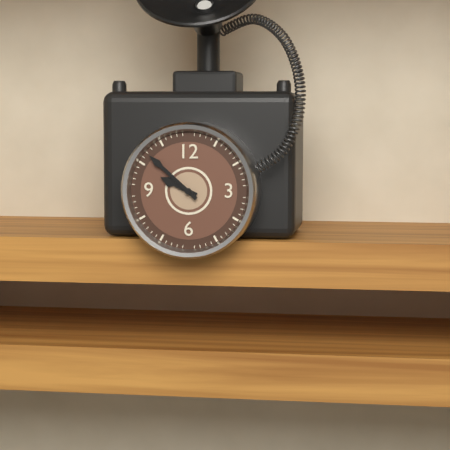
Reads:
h=9 m=52
